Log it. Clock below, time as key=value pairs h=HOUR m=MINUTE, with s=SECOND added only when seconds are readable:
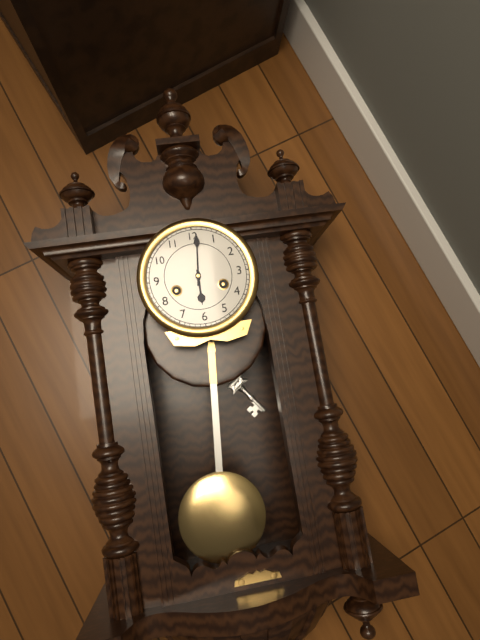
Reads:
h=6 m=1
